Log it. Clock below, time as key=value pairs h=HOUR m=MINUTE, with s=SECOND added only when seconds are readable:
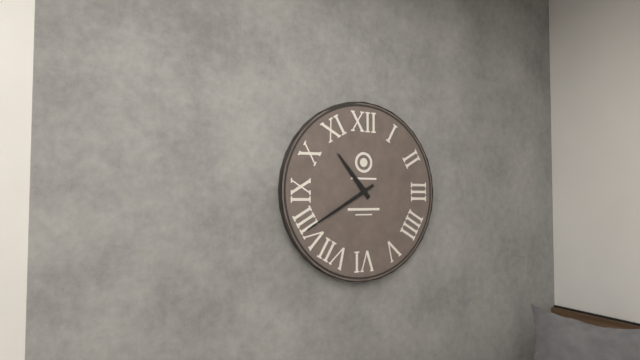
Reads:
h=10 m=40
